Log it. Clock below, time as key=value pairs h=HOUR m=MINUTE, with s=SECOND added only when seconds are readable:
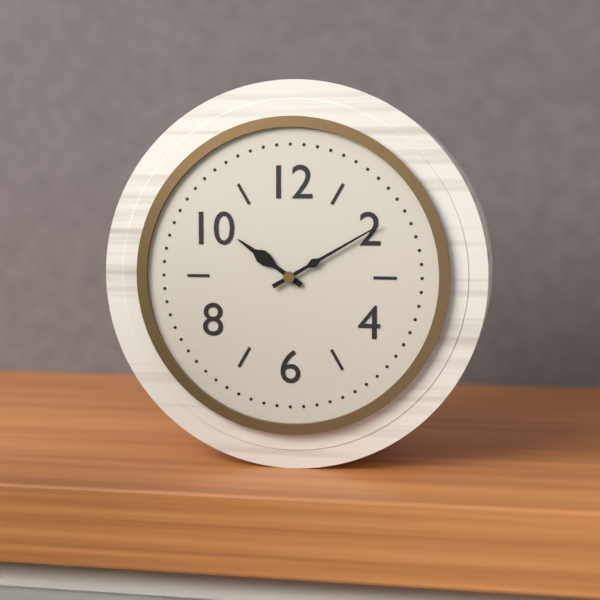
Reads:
h=10 m=10
